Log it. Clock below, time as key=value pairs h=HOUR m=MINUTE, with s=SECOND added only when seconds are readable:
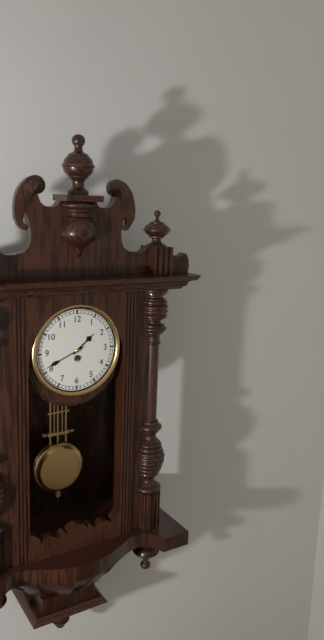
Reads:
h=1 m=41
